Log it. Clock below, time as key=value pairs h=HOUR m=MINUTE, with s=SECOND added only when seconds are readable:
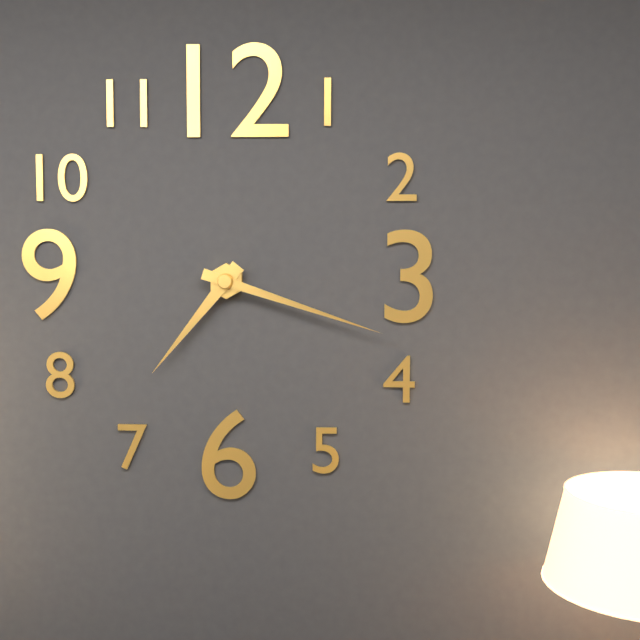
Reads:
h=7 m=18
